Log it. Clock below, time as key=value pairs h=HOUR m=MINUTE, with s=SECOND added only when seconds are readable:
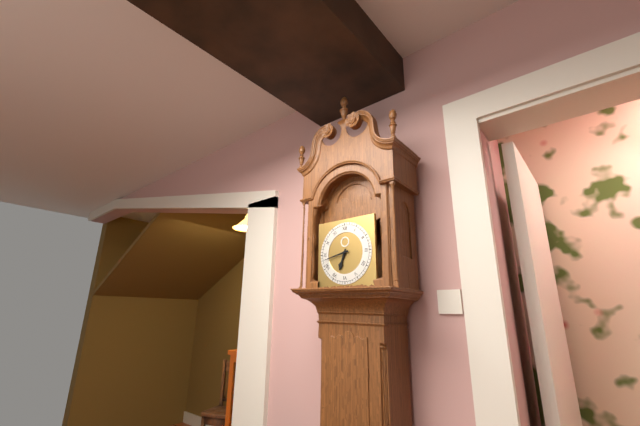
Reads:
h=6 m=43
